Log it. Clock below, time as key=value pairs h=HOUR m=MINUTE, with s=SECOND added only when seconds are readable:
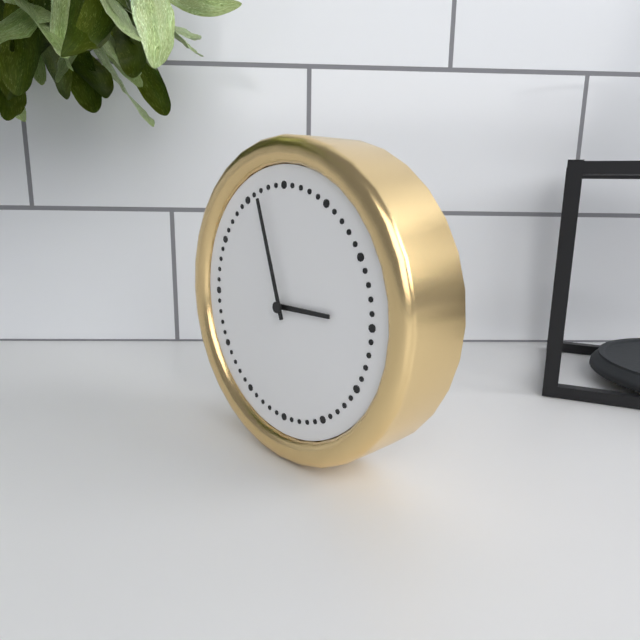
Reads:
h=2 m=57
